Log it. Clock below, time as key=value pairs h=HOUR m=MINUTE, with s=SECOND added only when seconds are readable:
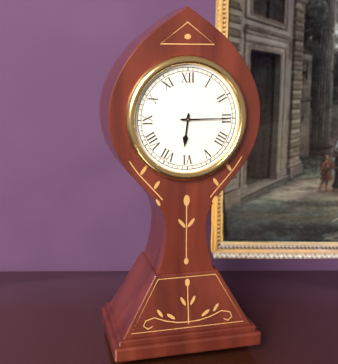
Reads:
h=6 m=15
